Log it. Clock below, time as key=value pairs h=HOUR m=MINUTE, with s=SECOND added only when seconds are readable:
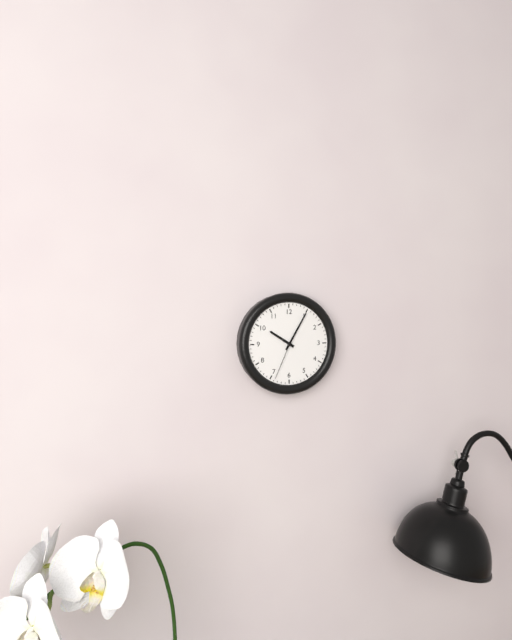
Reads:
h=10 m=5
